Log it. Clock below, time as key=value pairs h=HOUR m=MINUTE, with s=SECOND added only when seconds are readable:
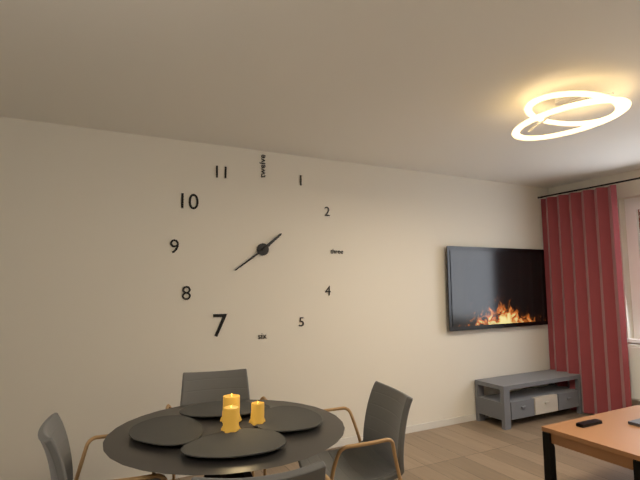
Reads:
h=1 m=39
